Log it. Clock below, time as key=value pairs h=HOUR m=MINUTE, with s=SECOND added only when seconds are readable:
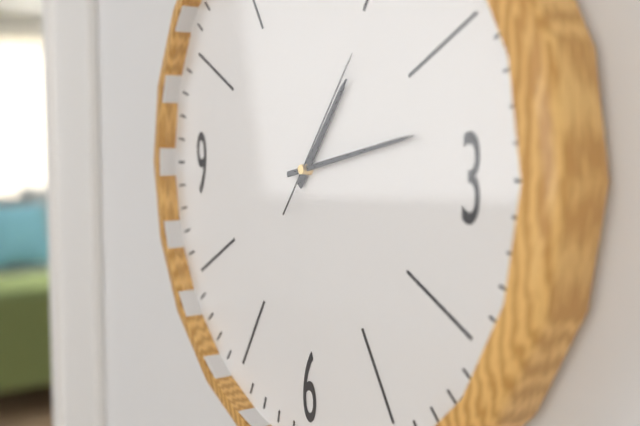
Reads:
h=1 m=13 s=6
